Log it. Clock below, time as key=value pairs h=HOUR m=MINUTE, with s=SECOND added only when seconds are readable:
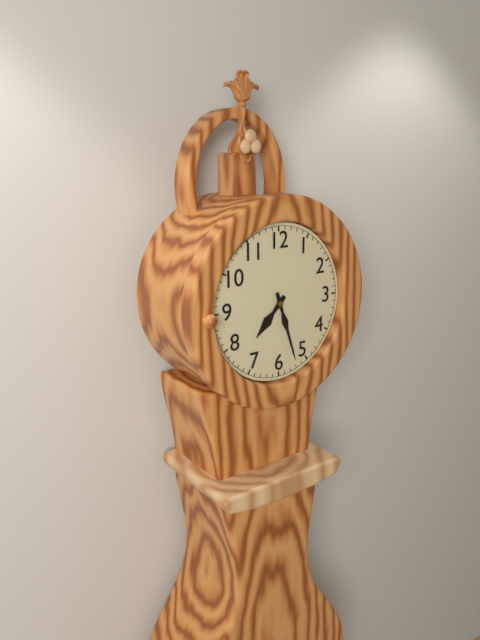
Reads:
h=7 m=27
